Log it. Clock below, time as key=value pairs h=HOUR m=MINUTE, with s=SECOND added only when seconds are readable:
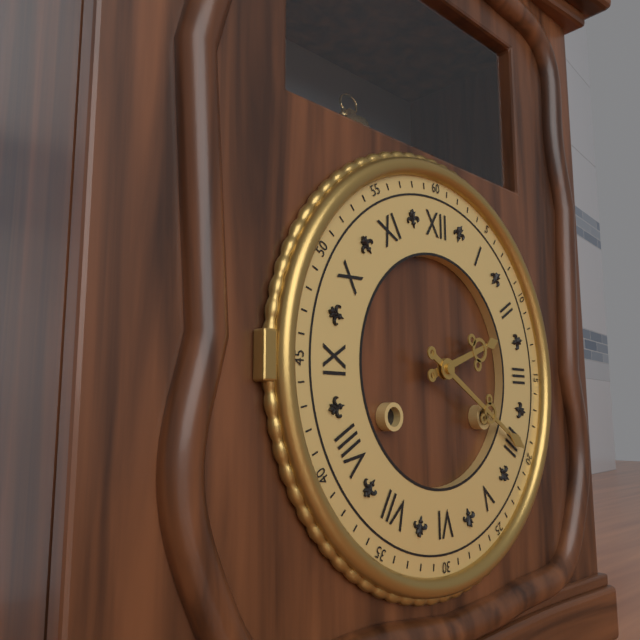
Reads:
h=2 m=20
